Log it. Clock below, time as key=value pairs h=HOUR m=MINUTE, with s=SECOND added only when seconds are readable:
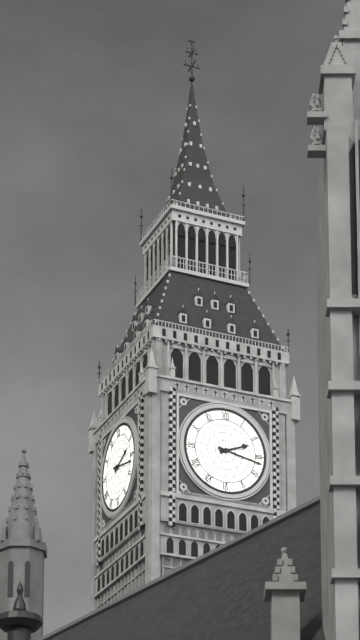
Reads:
h=2 m=17
